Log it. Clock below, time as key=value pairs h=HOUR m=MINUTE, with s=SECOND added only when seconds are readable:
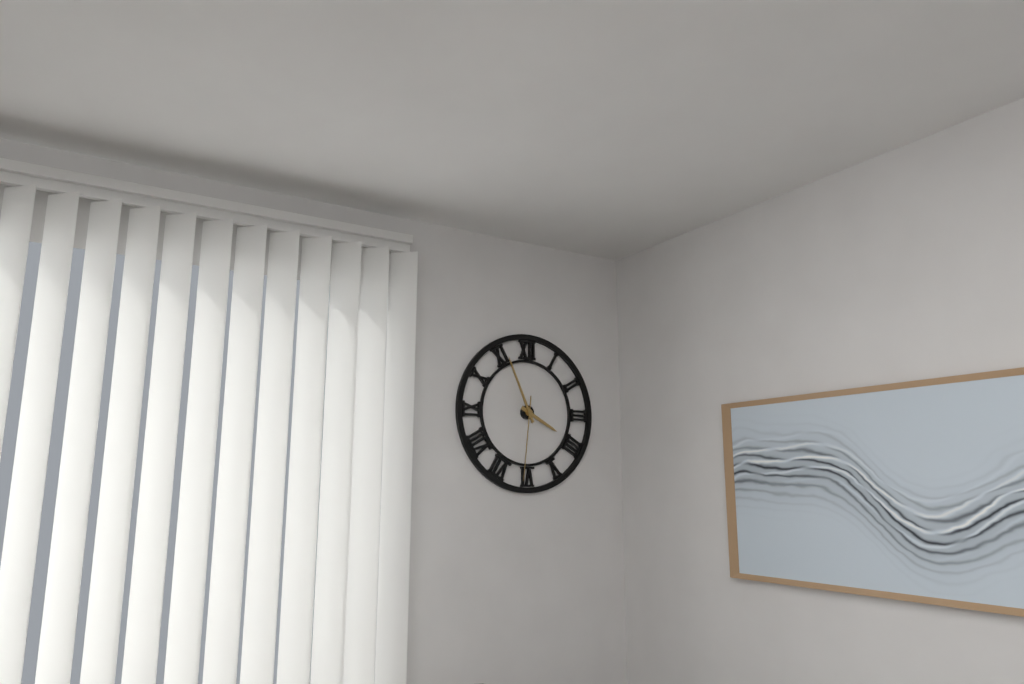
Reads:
h=3 m=56 s=31
